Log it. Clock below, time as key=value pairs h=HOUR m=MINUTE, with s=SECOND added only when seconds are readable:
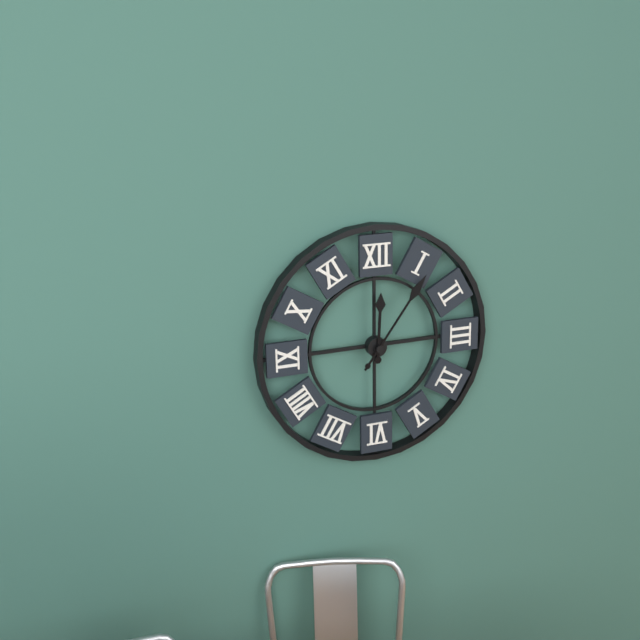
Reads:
h=12 m=6
